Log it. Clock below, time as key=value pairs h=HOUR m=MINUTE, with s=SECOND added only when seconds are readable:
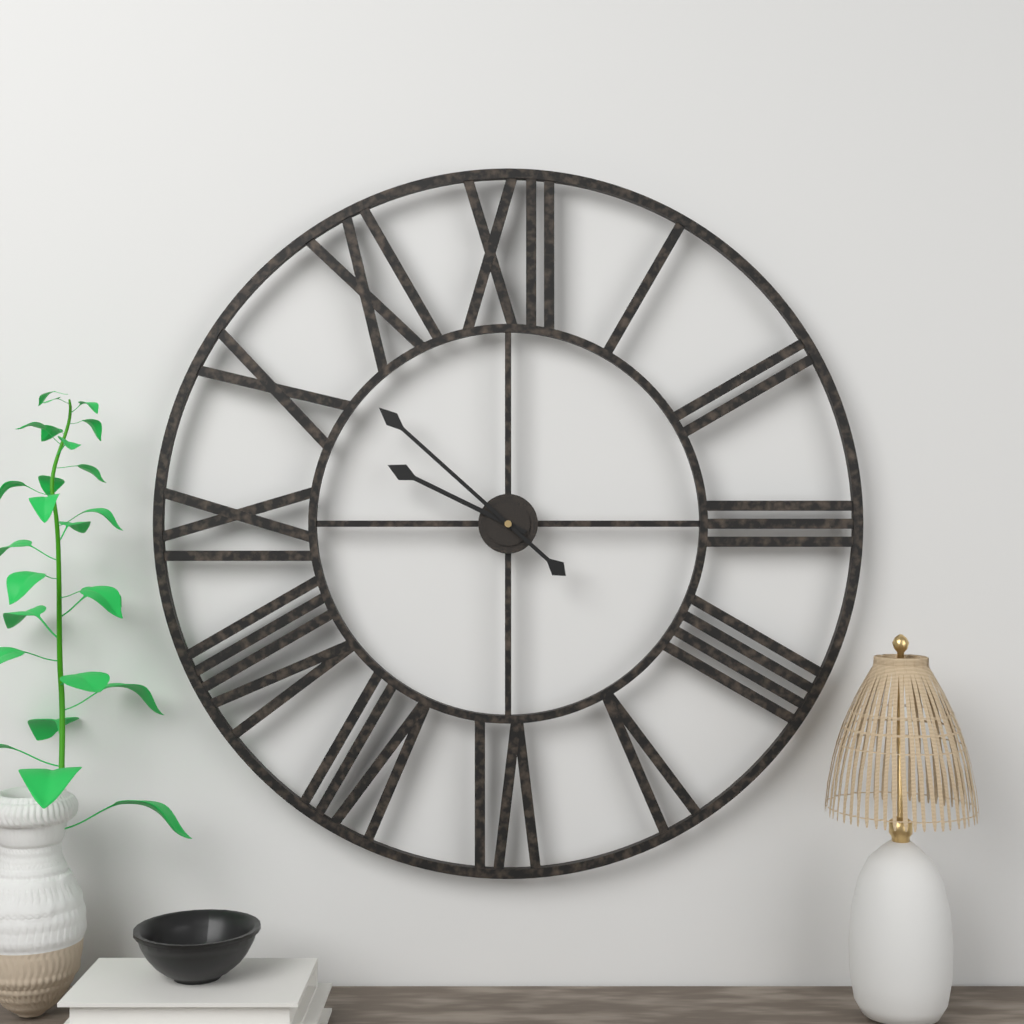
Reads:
h=9 m=52
